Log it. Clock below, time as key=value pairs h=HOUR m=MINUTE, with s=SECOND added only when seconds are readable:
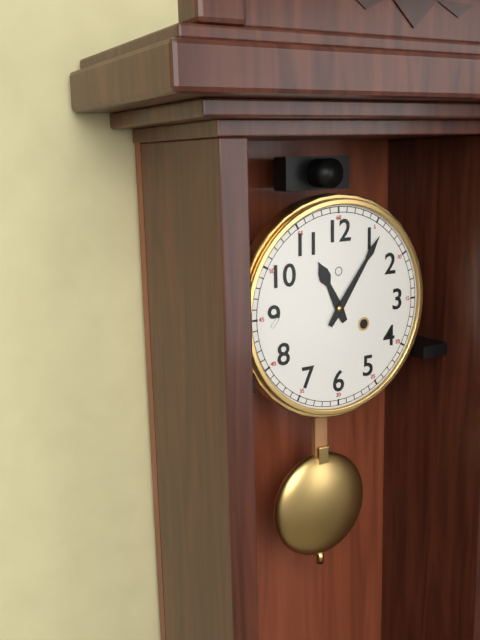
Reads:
h=11 m=6
